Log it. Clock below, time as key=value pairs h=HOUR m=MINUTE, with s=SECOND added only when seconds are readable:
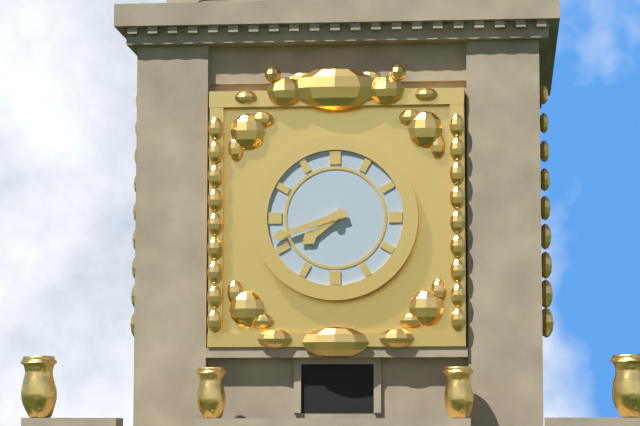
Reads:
h=7 m=42
